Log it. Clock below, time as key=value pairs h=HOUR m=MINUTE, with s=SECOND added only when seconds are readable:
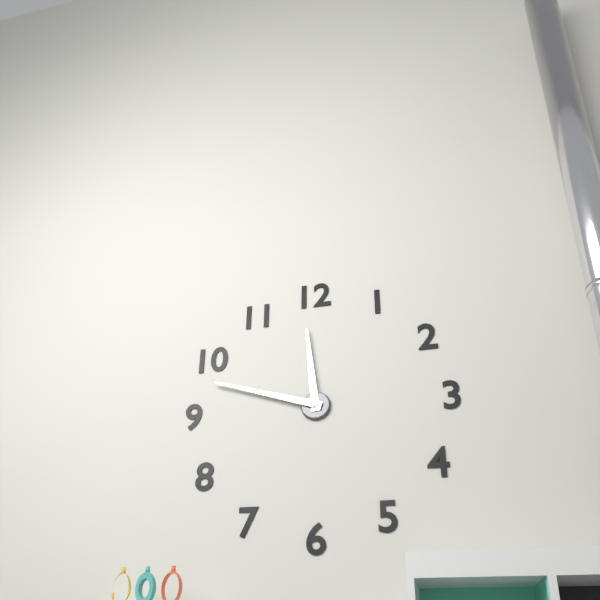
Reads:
h=11 m=48
